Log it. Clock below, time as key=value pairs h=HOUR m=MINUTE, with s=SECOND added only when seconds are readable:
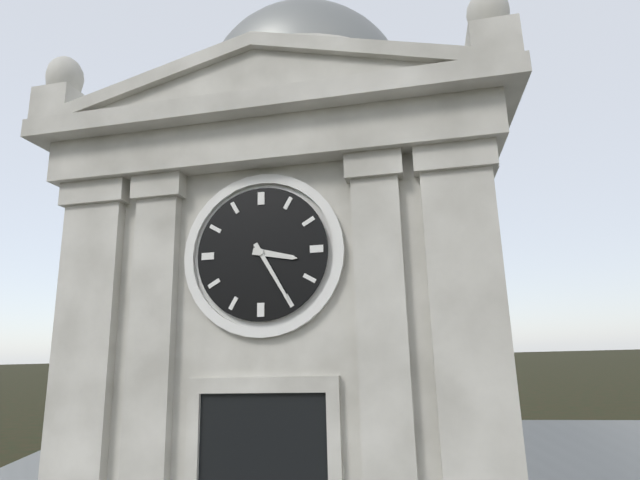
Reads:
h=3 m=25
